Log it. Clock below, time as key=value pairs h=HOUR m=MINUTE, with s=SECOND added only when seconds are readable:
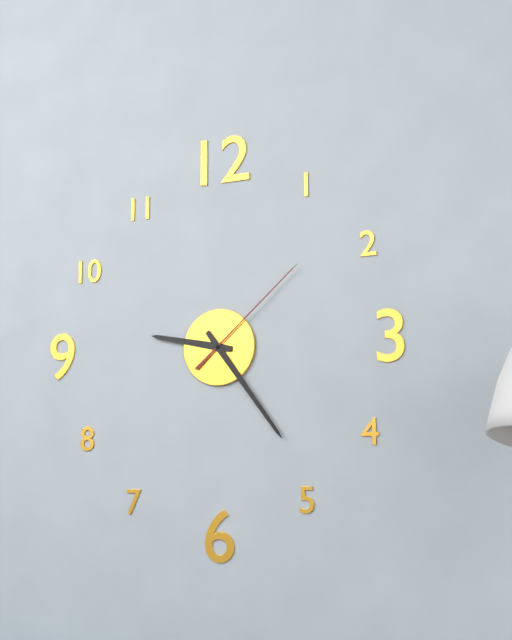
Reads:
h=9 m=24 s=8
